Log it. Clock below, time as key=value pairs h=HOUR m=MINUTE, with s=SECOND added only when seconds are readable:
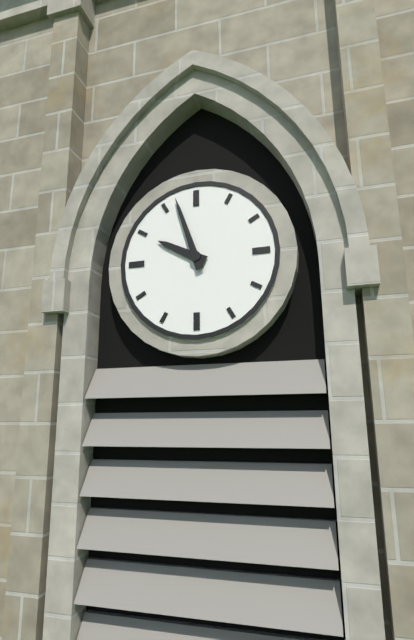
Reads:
h=9 m=57
